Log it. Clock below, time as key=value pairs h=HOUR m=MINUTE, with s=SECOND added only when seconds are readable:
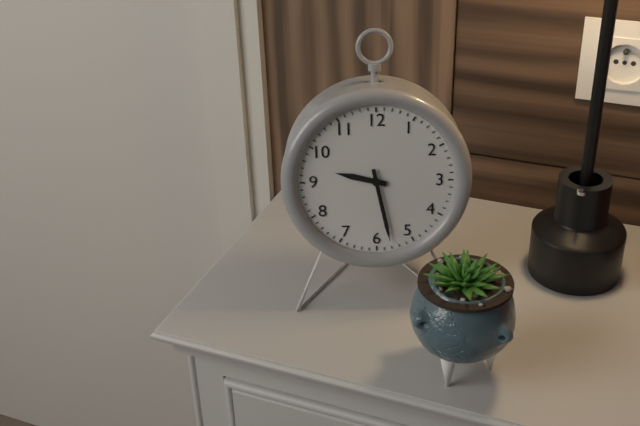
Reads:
h=9 m=28
